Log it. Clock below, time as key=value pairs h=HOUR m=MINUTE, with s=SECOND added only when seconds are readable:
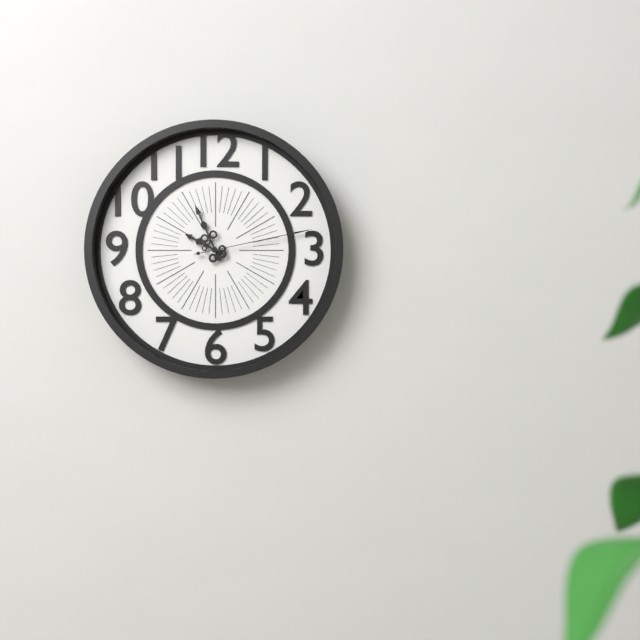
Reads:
h=9 m=56 s=13
